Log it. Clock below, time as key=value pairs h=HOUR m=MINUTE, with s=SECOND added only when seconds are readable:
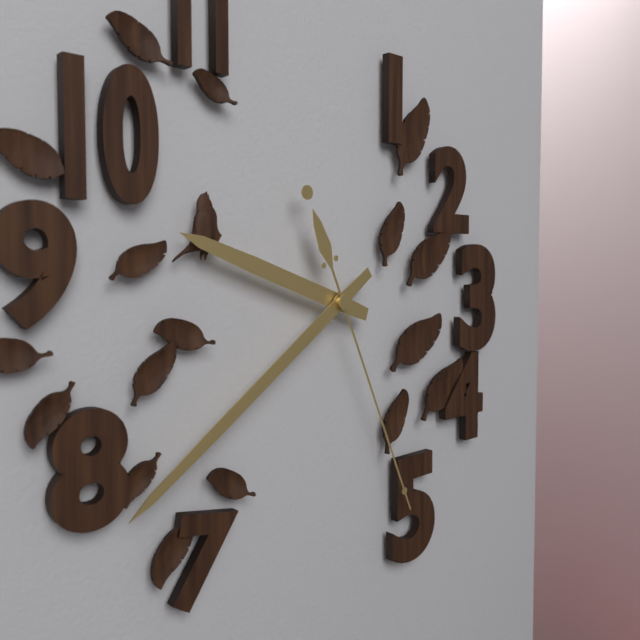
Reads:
h=9 m=39 s=26
